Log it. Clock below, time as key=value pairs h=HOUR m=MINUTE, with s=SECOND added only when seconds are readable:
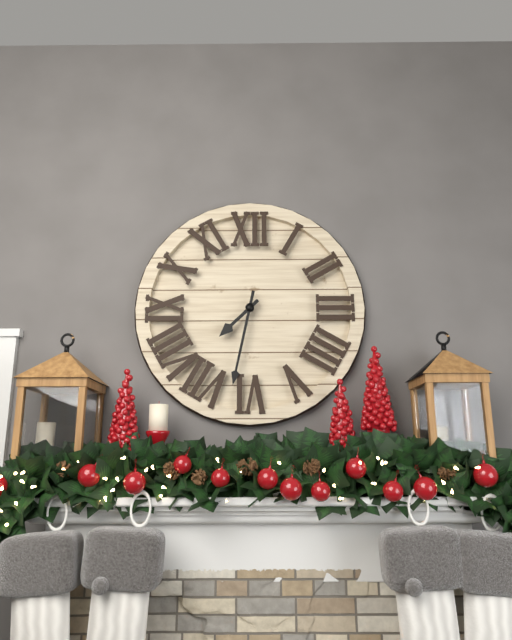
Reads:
h=7 m=32
